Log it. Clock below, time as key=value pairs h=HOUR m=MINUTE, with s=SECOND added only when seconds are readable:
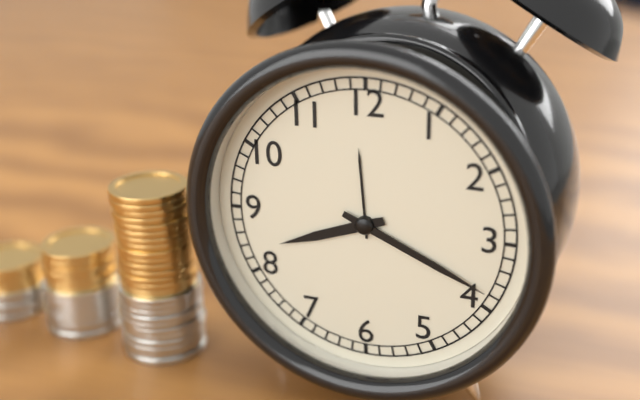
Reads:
h=8 m=19
